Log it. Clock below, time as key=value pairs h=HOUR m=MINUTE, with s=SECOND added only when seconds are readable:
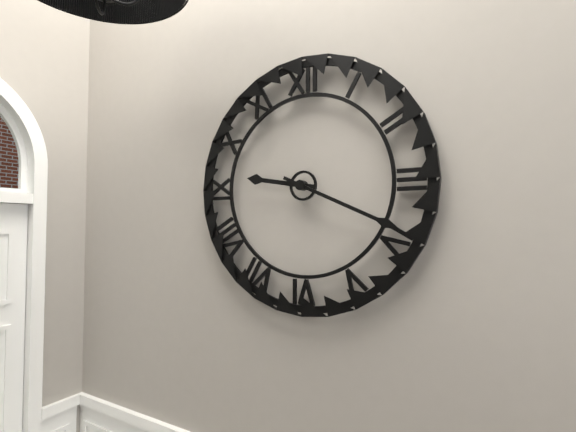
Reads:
h=9 m=19
